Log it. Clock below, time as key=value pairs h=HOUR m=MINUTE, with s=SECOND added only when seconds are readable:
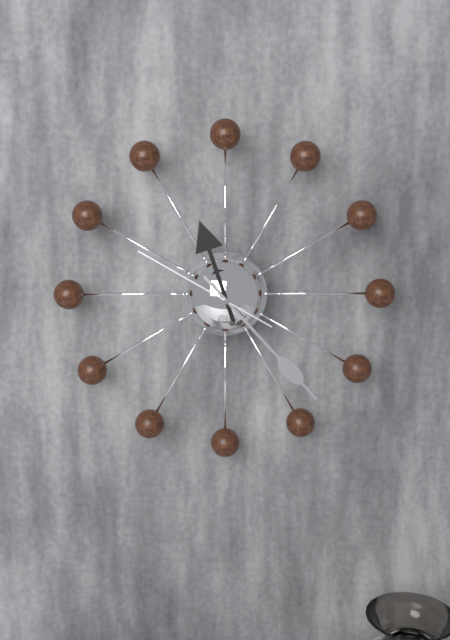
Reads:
h=11 m=23 s=50
